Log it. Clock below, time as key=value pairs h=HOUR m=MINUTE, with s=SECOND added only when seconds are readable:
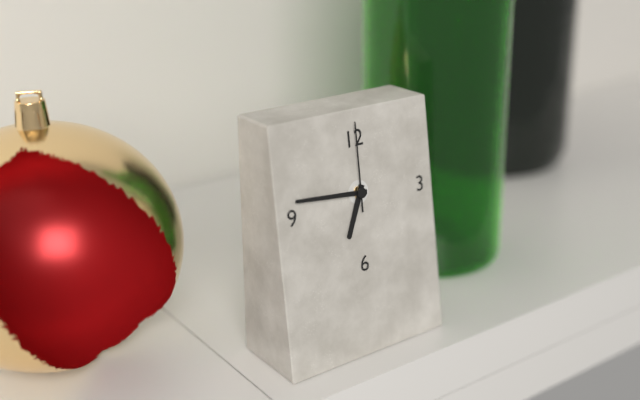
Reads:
h=6 m=46 s=0
